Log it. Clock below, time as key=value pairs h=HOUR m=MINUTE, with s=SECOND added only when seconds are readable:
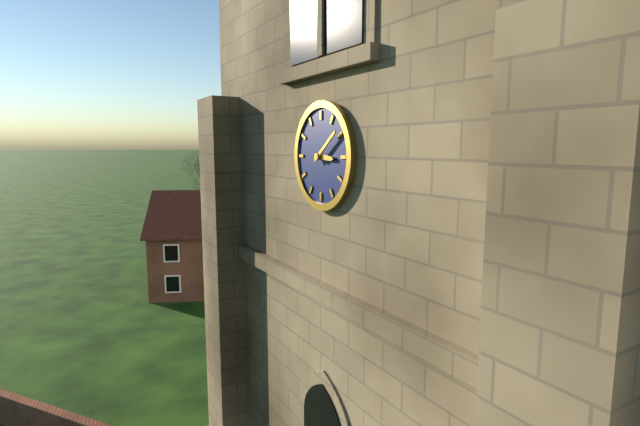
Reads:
h=3 m=9
